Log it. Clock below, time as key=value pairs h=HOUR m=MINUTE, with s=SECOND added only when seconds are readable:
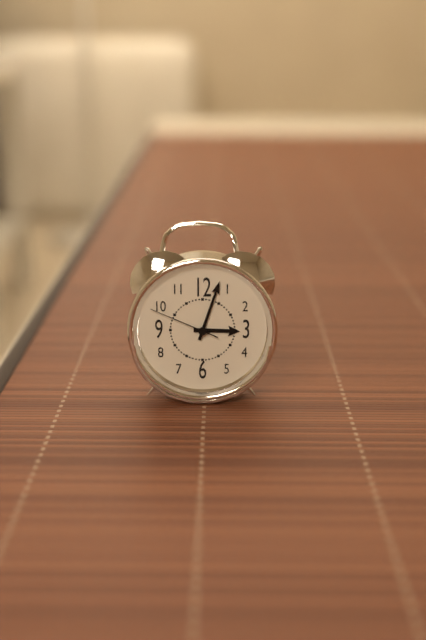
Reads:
h=3 m=3 s=49
